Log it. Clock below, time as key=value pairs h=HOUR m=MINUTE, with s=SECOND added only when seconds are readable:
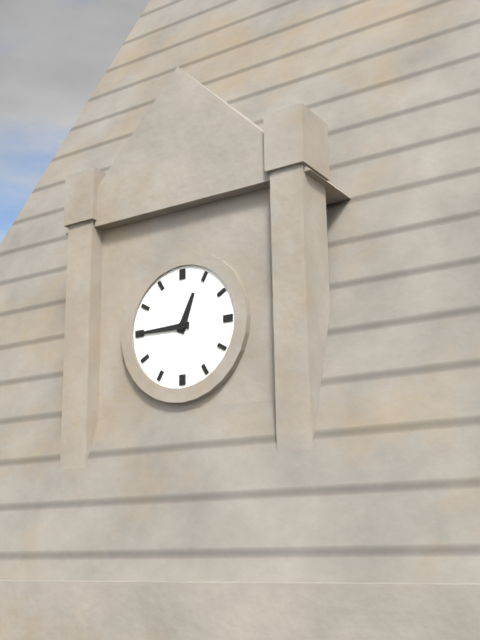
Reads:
h=12 m=45
